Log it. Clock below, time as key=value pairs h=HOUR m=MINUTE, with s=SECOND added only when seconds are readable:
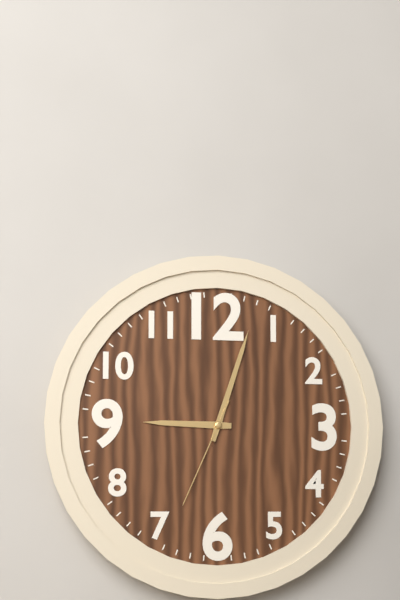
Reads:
h=9 m=3 s=34
